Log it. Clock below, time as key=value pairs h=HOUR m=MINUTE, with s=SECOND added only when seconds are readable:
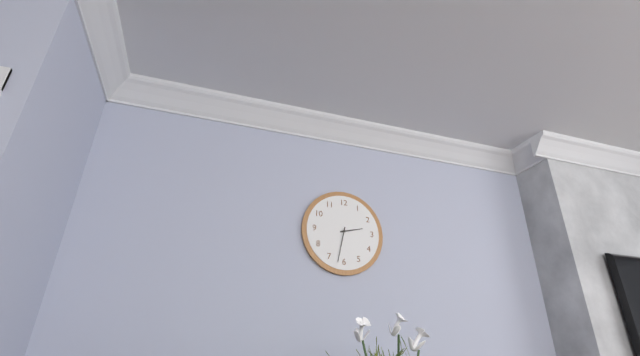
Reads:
h=2 m=32
